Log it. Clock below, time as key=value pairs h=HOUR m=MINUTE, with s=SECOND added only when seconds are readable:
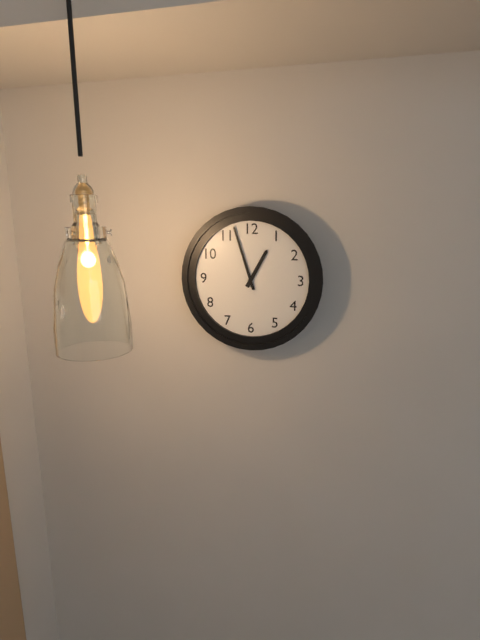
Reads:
h=12 m=57
